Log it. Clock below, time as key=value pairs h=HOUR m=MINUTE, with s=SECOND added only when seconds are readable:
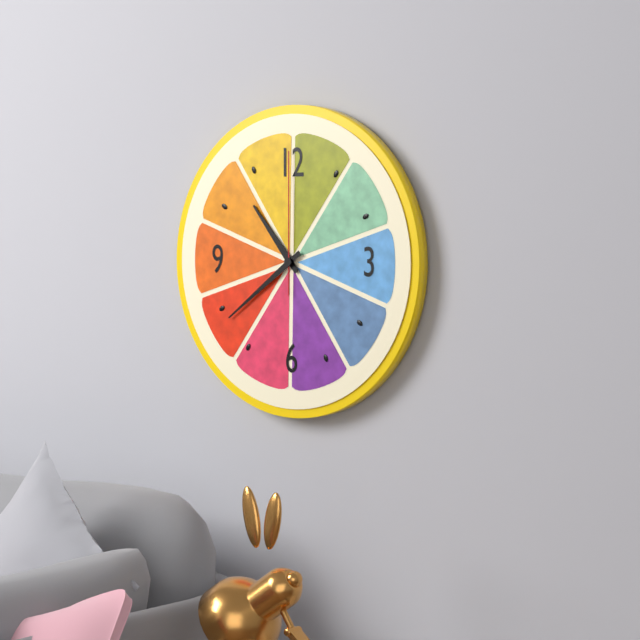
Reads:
h=10 m=39 s=0
